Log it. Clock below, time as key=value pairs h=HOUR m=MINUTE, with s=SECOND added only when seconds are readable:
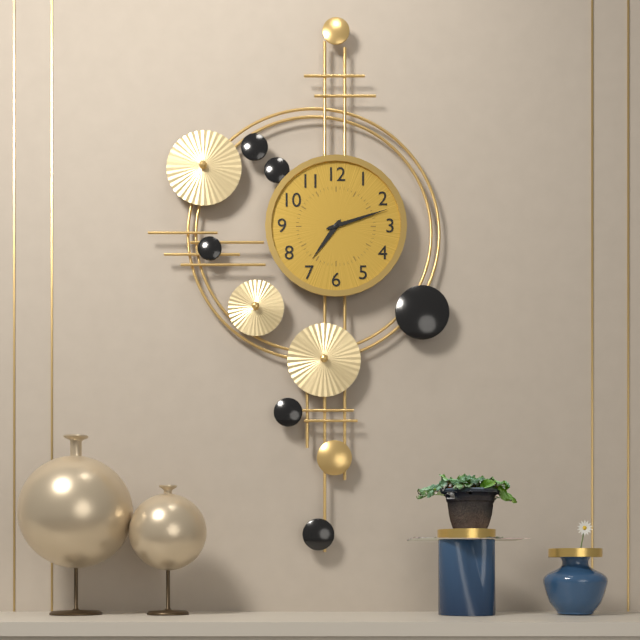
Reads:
h=7 m=12
